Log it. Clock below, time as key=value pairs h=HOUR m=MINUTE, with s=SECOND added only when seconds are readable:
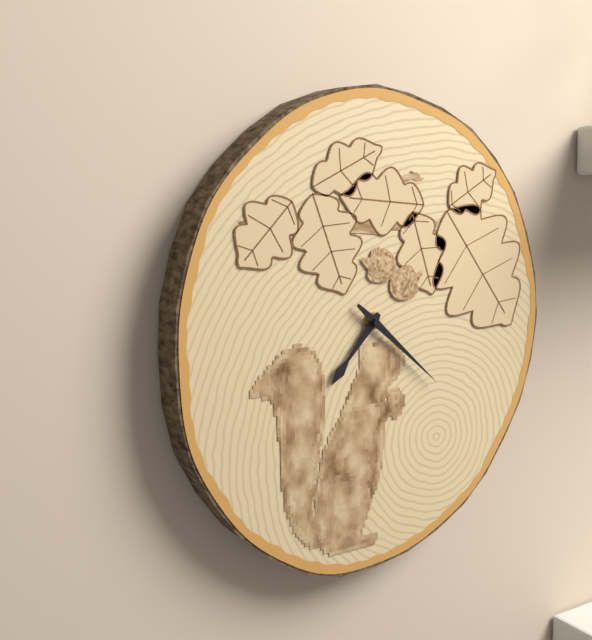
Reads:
h=7 m=22
